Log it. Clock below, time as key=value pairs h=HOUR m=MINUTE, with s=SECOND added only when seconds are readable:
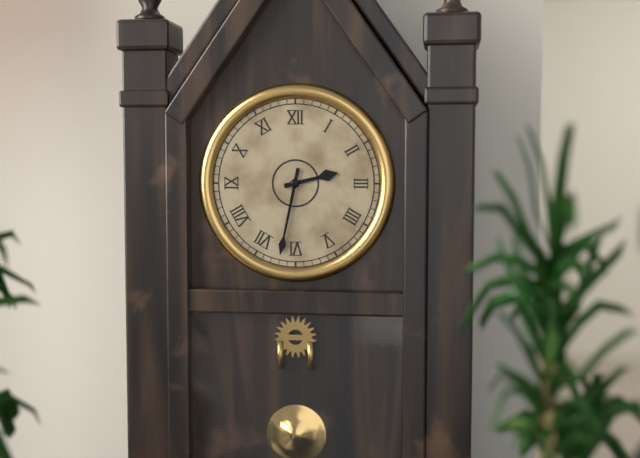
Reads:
h=2 m=32
